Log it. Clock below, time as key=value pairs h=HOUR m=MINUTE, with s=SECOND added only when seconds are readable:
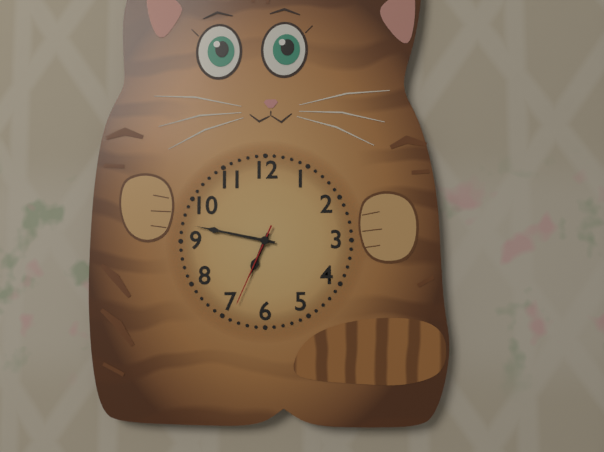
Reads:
h=6 m=47 s=34
